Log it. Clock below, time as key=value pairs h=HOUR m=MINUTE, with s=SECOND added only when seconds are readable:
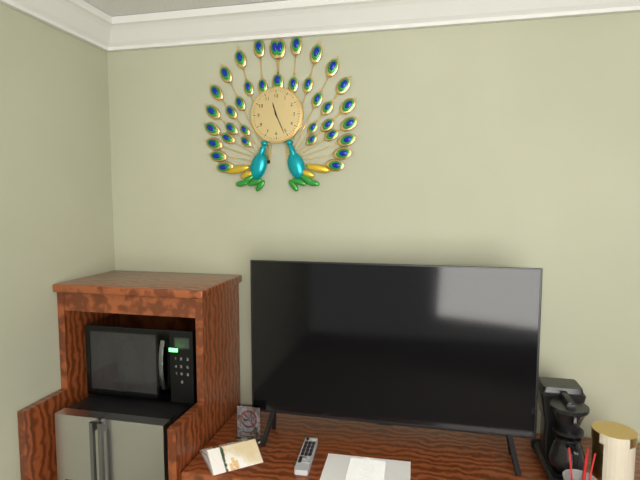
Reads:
h=11 m=26
